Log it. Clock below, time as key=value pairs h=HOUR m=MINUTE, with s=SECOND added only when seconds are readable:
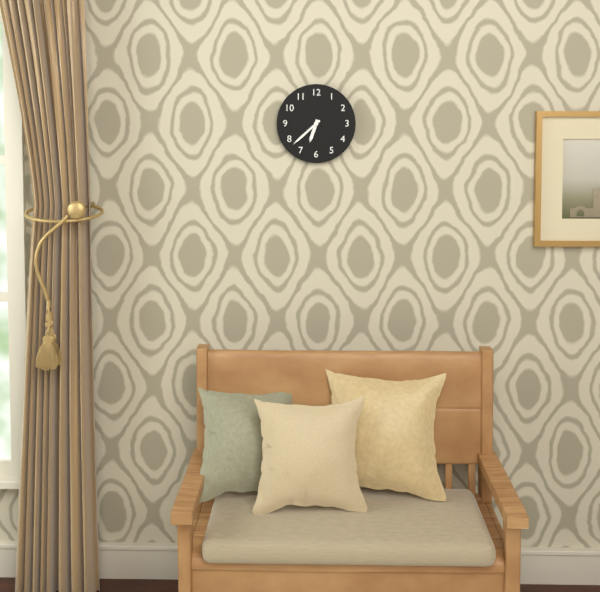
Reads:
h=6 m=38
